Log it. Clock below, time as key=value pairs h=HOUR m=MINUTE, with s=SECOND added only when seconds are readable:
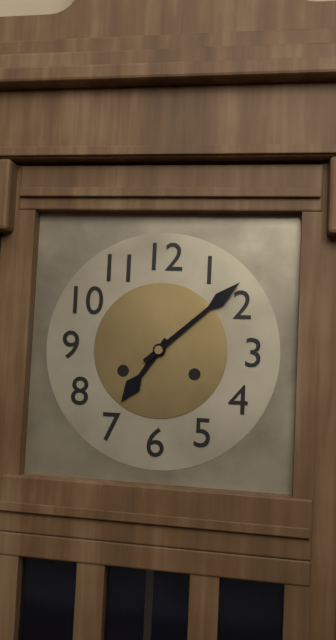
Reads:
h=7 m=8
